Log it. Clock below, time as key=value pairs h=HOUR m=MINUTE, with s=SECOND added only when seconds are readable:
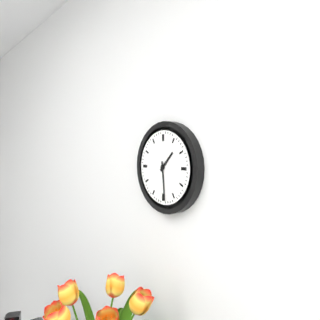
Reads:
h=1 m=29
